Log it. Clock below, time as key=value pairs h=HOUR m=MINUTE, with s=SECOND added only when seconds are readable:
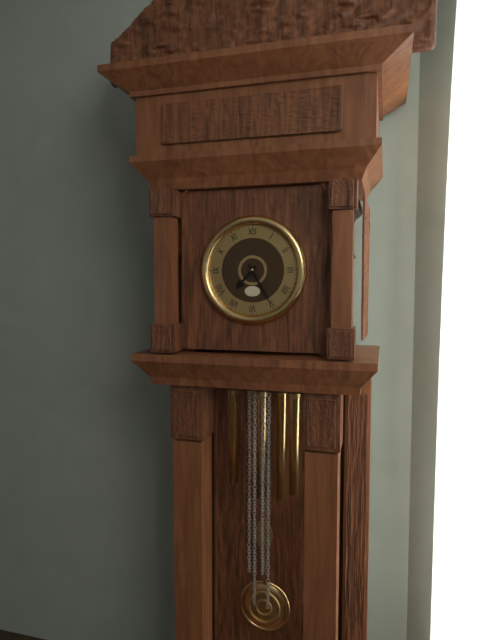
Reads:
h=7 m=25
